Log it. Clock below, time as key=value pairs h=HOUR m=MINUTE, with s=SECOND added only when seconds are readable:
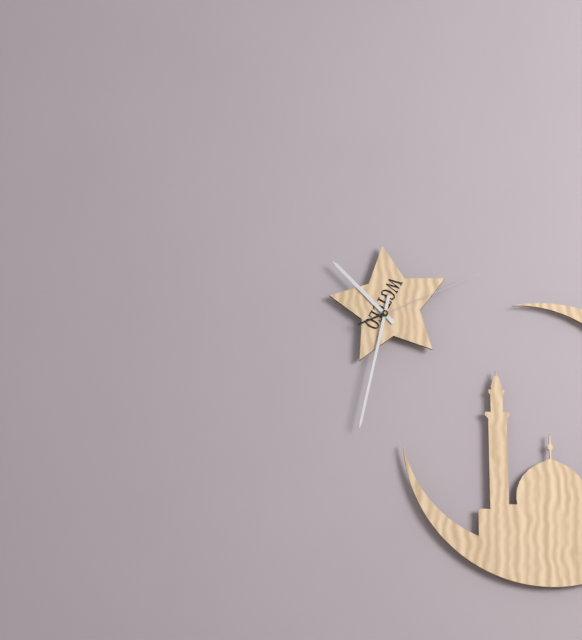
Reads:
h=10 m=32 s=11
